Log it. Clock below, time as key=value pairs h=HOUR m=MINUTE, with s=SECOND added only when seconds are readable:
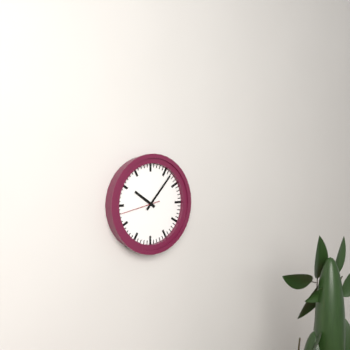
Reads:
h=10 m=7
